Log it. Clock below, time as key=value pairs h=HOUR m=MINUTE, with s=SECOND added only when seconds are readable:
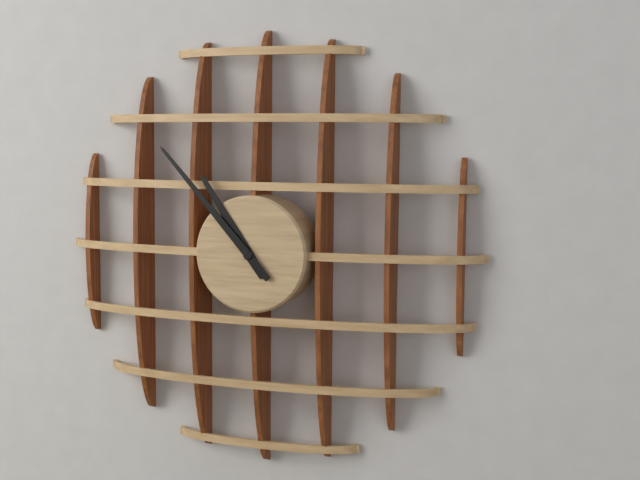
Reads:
h=10 m=53
